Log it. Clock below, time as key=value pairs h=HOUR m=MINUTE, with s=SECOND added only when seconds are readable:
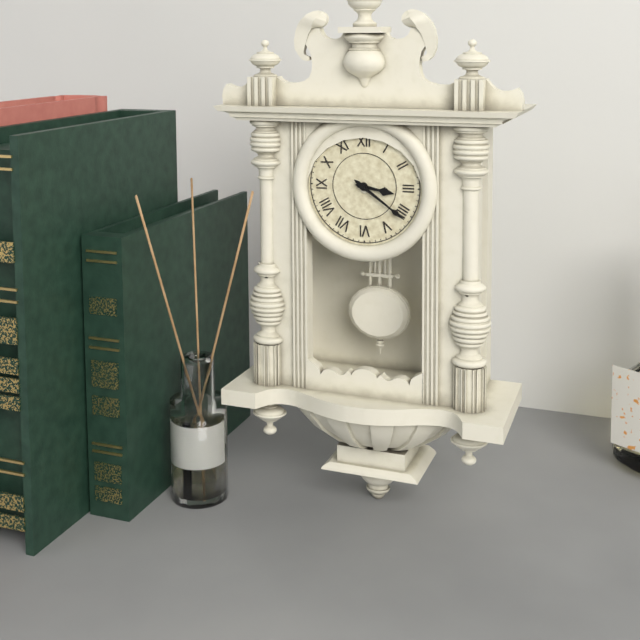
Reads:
h=3 m=21
